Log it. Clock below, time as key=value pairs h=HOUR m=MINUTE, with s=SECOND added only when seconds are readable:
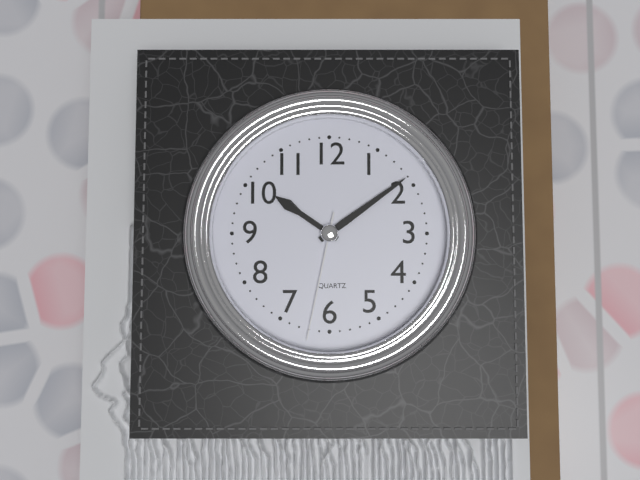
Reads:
h=10 m=9 s=32
